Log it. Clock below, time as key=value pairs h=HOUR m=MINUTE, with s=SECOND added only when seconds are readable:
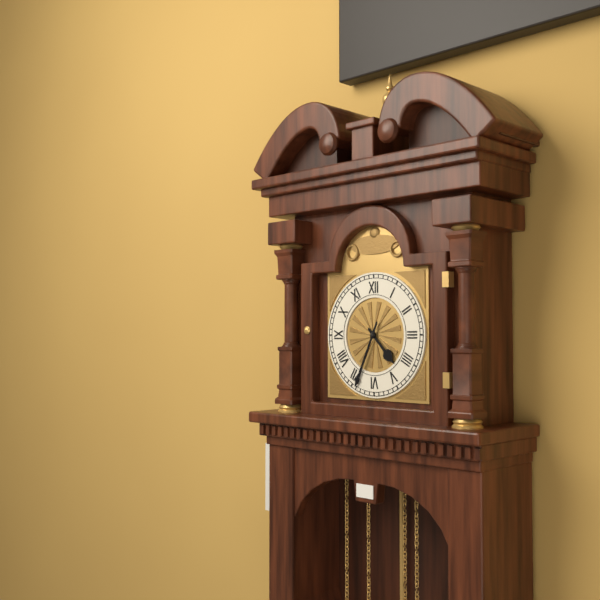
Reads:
h=4 m=34
